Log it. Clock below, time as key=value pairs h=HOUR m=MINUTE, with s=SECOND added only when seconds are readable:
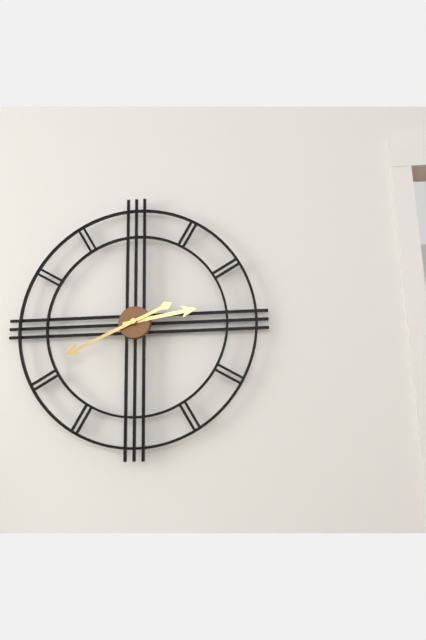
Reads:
h=2 m=41
